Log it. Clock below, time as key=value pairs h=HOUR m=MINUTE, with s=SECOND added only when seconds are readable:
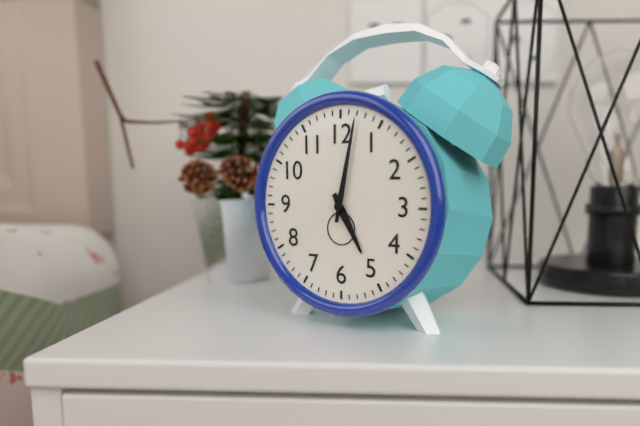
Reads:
h=5 m=2
